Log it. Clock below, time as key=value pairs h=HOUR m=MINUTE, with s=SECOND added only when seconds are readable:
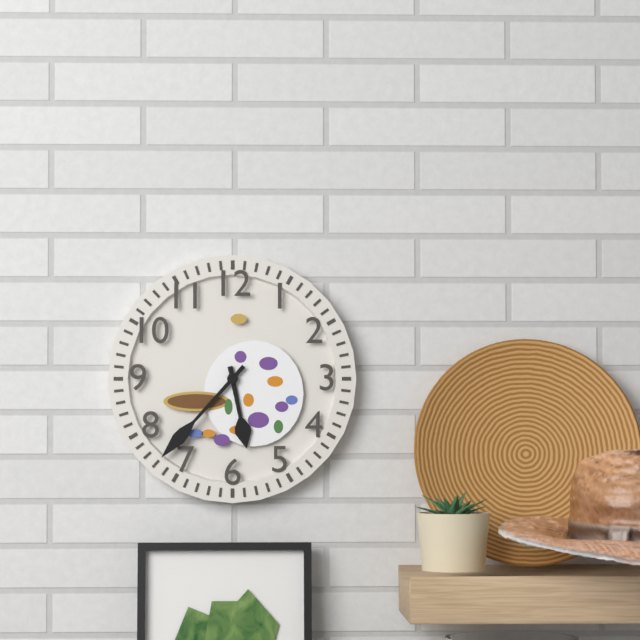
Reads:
h=5 m=37
